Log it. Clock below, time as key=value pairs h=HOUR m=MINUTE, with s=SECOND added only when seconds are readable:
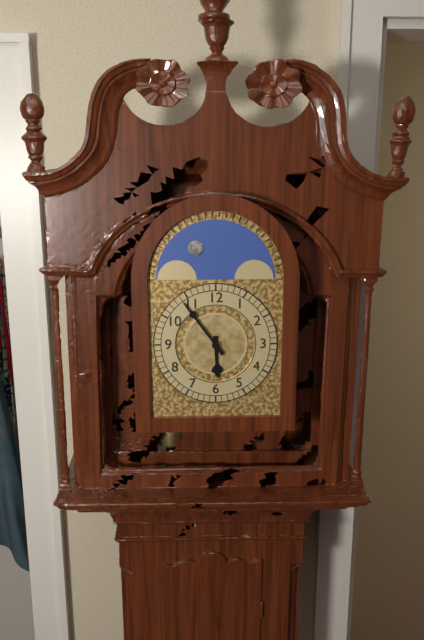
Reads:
h=5 m=54
